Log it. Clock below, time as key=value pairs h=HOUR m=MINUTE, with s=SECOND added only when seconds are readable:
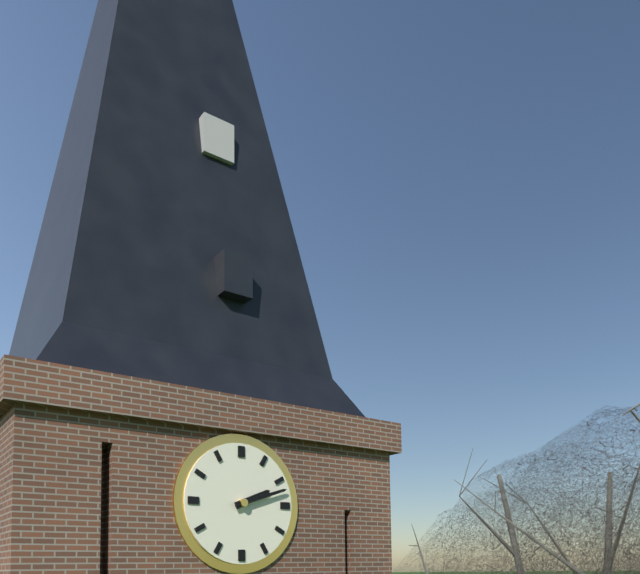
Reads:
h=2 m=12
